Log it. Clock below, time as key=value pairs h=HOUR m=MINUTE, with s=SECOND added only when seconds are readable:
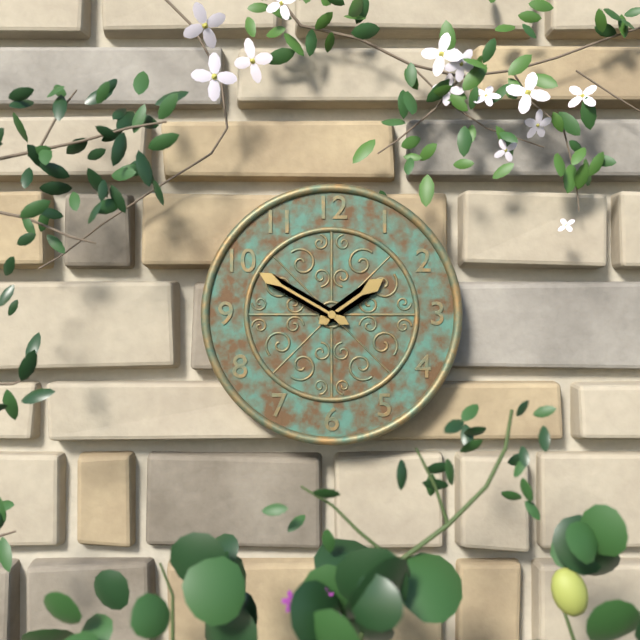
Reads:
h=1 m=50
